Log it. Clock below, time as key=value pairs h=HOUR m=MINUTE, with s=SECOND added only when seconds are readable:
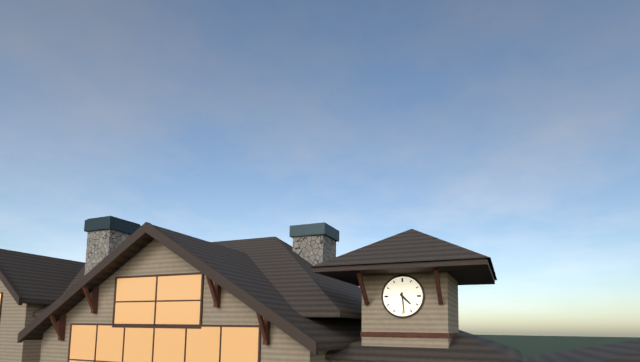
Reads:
h=4 m=29
